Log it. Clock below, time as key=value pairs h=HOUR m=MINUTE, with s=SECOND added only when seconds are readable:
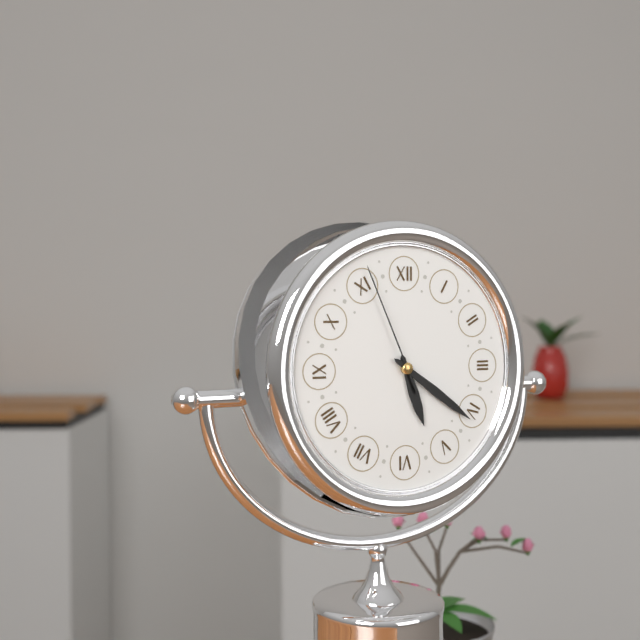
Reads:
h=5 m=21 s=56
